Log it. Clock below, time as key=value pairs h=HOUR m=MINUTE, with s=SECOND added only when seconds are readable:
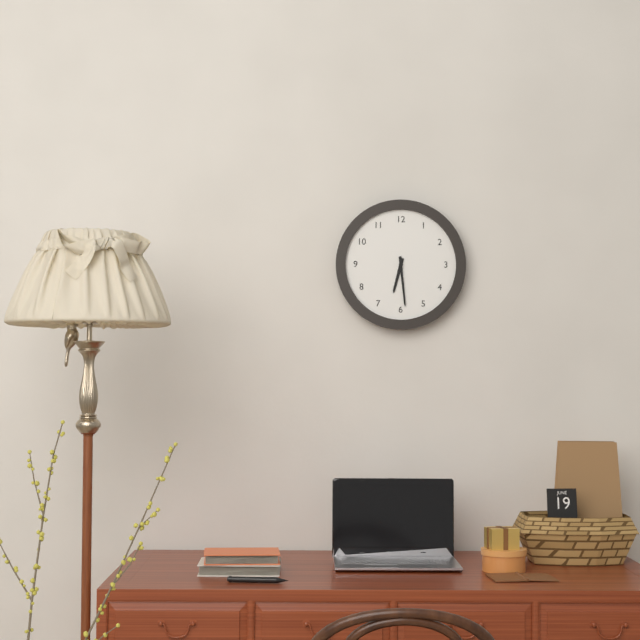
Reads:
h=6 m=29
